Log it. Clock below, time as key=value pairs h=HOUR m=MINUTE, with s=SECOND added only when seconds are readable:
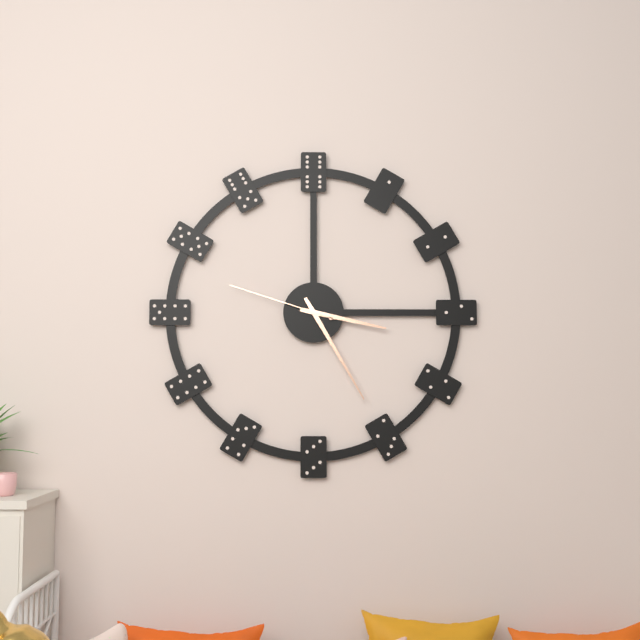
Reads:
h=3 m=25 s=48
